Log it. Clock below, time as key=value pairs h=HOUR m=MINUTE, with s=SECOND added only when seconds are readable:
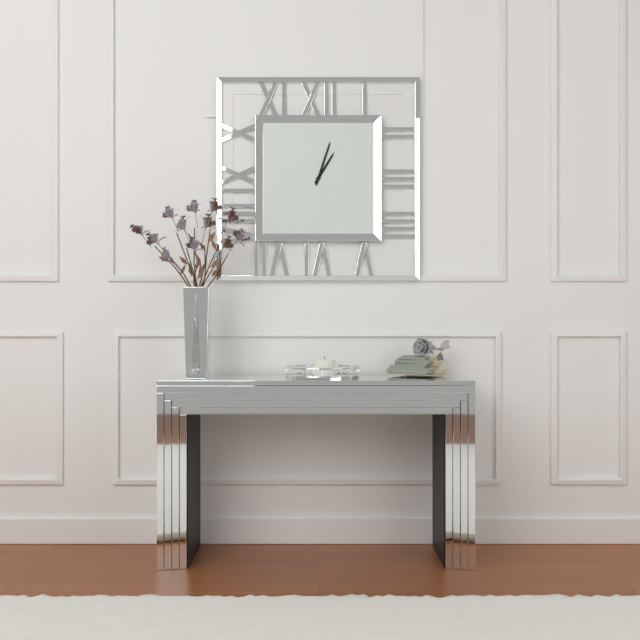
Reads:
h=1 m=3
